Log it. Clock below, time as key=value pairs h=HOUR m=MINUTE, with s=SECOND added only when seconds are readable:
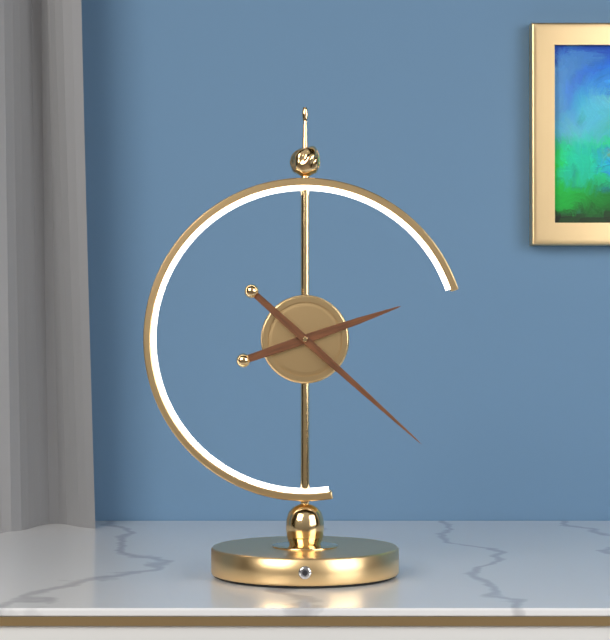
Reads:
h=2 m=22
